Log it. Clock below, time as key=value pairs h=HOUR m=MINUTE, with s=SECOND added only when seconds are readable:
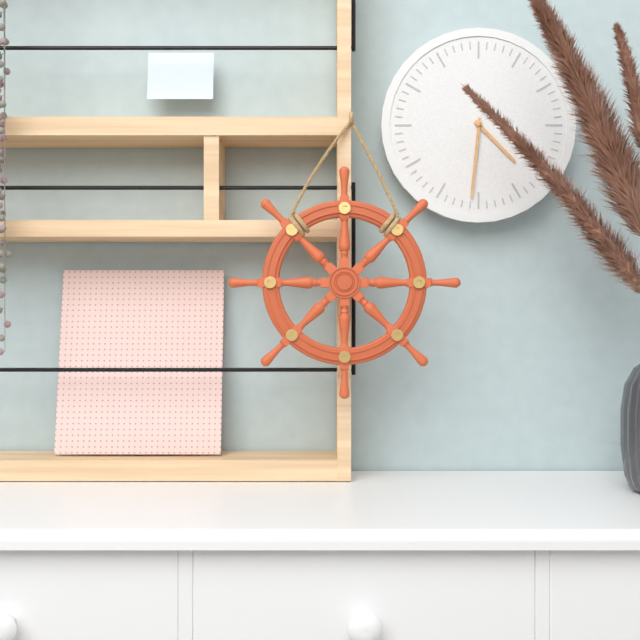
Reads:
h=4 m=31
